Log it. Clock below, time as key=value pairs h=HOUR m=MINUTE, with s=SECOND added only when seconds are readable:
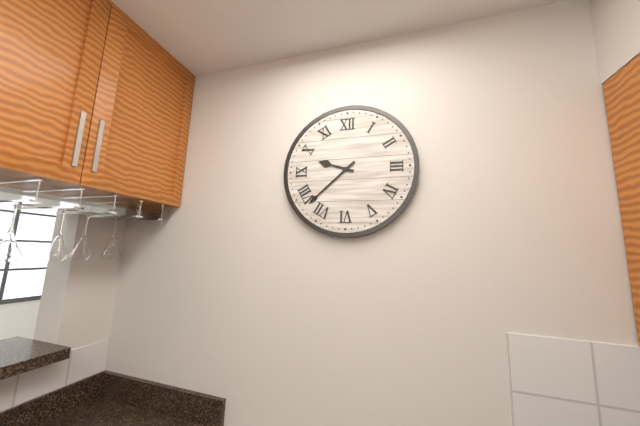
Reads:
h=9 m=38
